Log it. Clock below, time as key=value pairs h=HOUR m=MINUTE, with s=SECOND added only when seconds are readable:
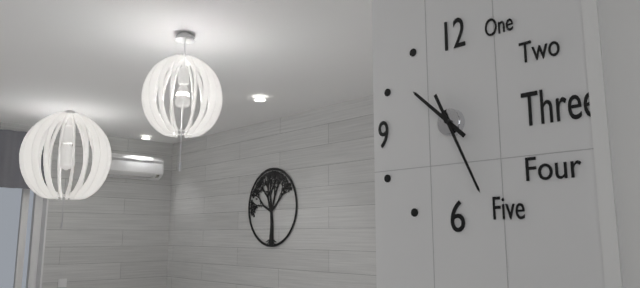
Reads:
h=10 m=26
